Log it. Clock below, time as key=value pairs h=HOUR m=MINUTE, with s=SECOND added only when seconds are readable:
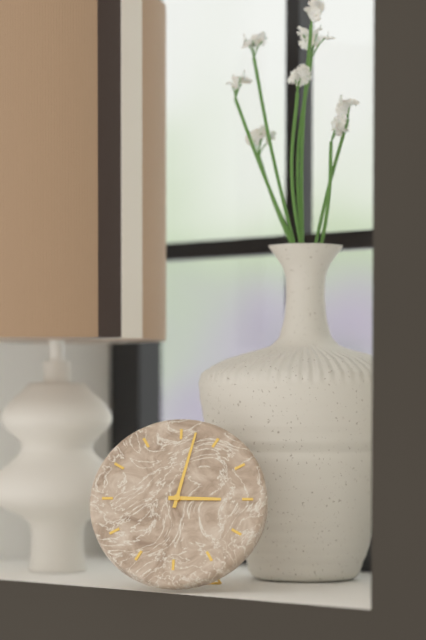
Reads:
h=3 m=2
